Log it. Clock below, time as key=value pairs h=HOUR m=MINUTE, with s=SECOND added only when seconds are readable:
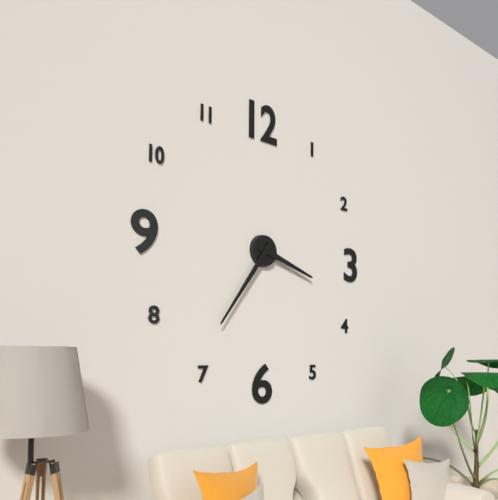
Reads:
h=3 m=36
